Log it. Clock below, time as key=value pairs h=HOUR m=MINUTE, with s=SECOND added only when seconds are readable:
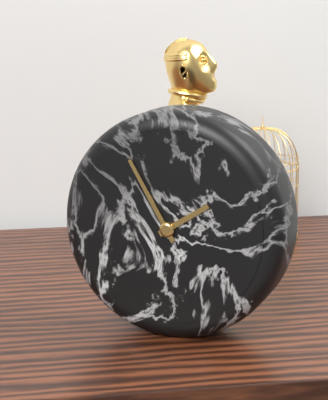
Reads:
h=1 m=55
